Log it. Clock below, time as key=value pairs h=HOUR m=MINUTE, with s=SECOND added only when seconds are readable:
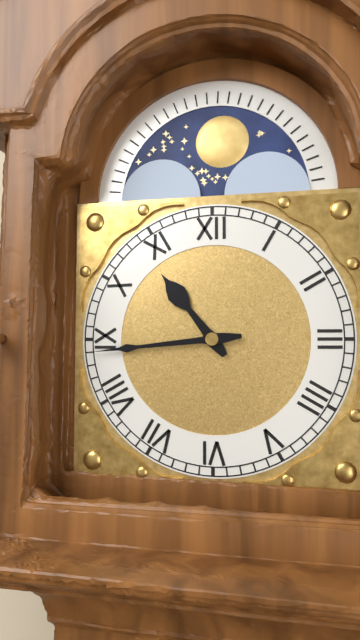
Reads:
h=10 m=44
